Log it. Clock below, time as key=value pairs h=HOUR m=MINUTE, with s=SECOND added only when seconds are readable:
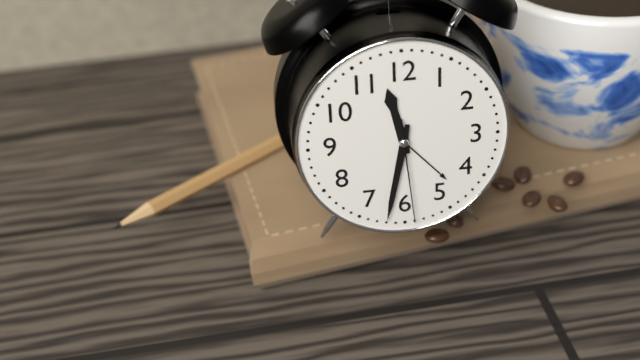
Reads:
h=11 m=32 s=29
